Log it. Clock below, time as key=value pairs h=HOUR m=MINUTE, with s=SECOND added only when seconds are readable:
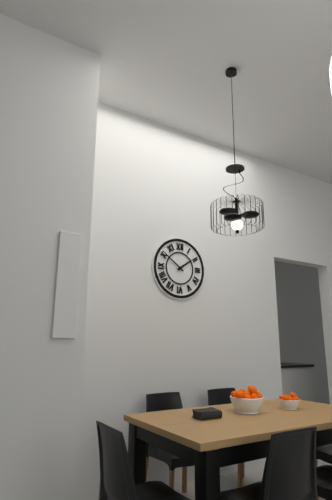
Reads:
h=1 m=51
